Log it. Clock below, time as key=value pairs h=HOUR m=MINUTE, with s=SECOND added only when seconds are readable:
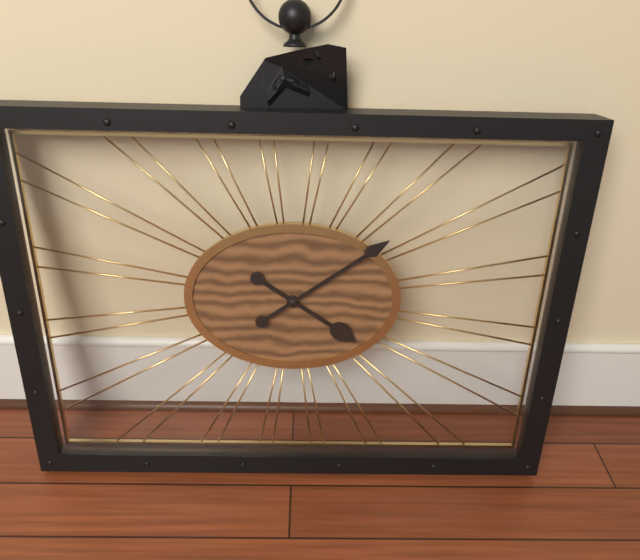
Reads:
h=4 m=9
